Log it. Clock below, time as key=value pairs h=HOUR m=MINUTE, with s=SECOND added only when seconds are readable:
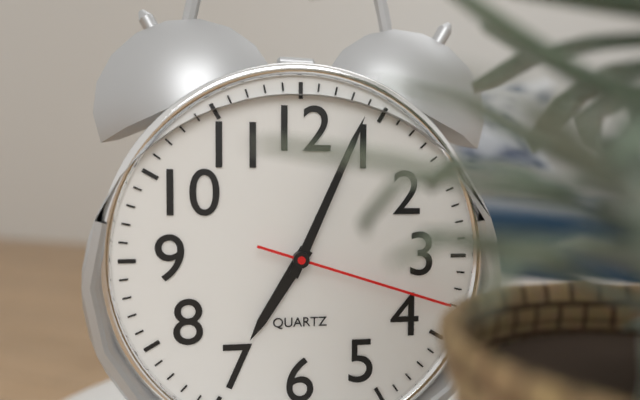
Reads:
h=7 m=4 s=18
